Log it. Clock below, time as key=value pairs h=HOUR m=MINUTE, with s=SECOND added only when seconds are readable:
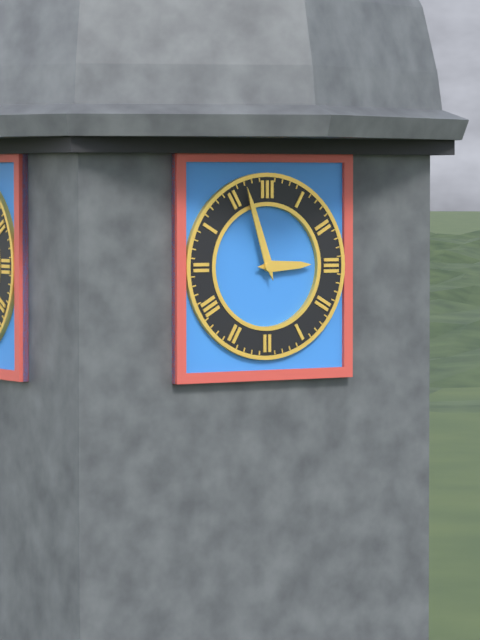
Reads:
h=2 m=57
